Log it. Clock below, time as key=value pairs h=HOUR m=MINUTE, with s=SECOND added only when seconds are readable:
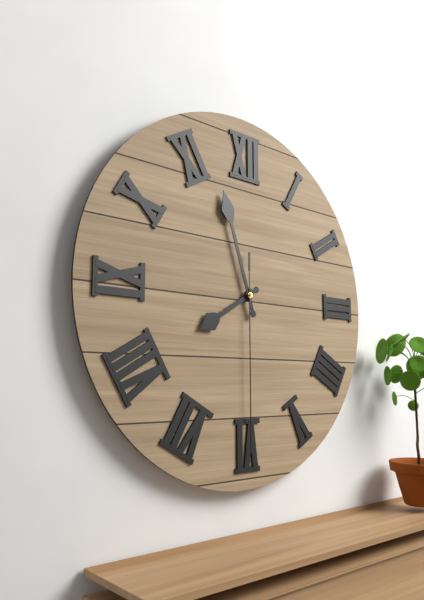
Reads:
h=7 m=57 s=30
